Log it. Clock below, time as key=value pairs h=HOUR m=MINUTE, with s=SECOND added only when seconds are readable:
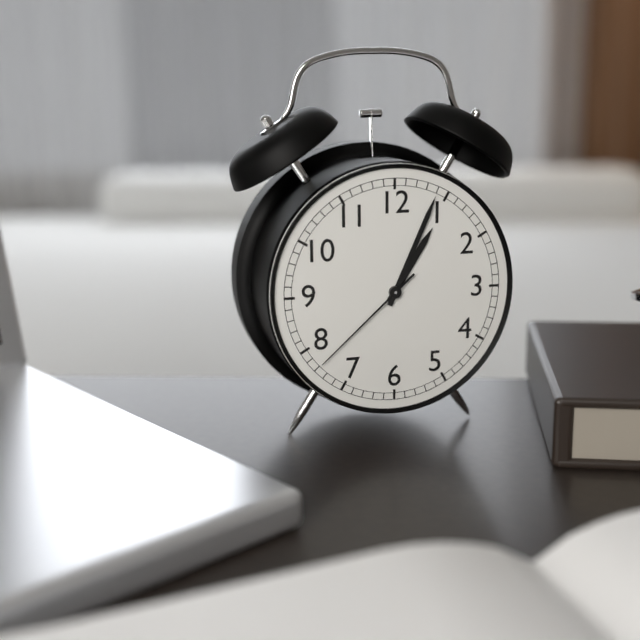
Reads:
h=1 m=4 s=38
